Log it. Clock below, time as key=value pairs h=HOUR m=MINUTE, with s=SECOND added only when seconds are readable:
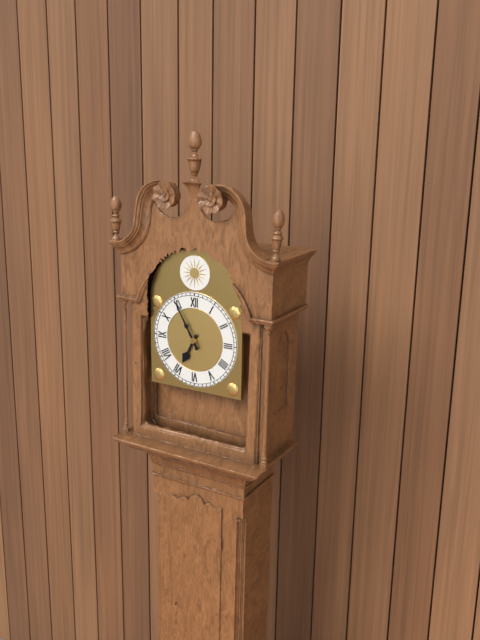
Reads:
h=6 m=55
